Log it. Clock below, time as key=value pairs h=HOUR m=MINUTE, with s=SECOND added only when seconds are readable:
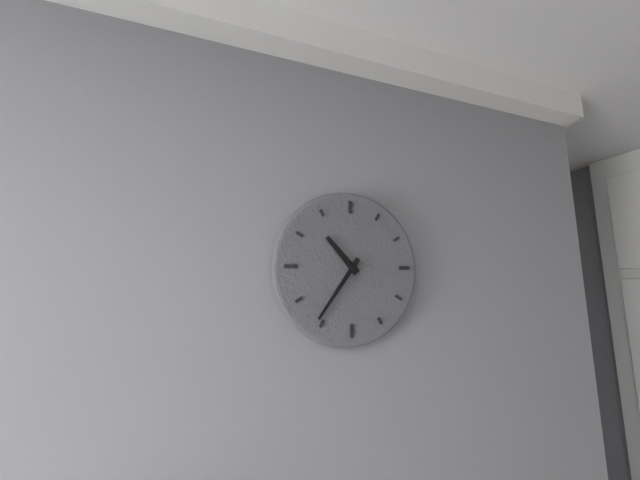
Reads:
h=10 m=36
